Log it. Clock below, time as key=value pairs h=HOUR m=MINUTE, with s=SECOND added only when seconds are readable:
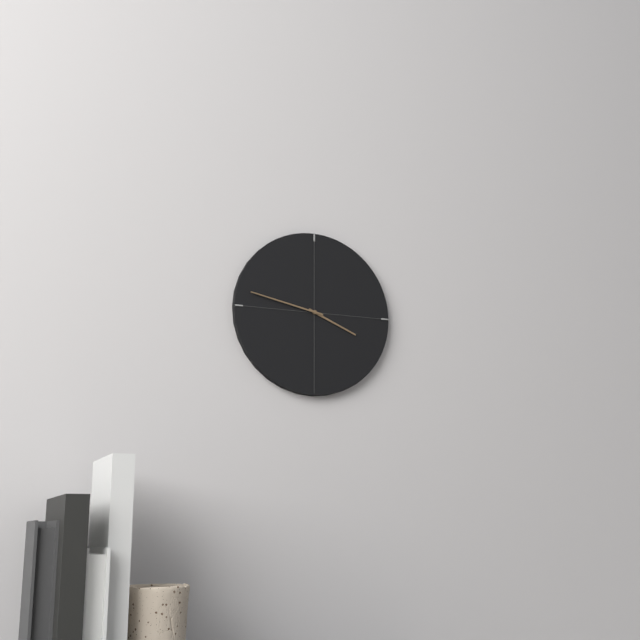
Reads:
h=3 m=47
